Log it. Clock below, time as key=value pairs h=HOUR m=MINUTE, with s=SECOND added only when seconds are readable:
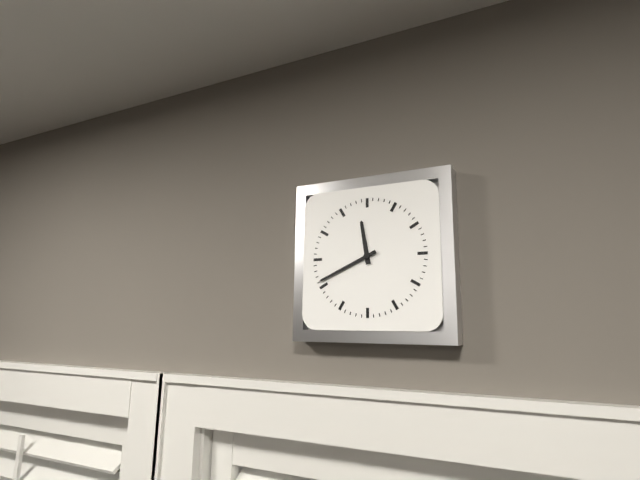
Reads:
h=11 m=41
